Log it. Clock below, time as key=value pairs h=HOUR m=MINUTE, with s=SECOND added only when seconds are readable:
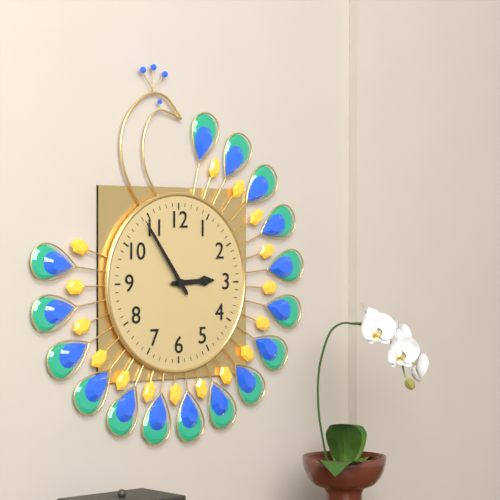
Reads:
h=2 m=54
